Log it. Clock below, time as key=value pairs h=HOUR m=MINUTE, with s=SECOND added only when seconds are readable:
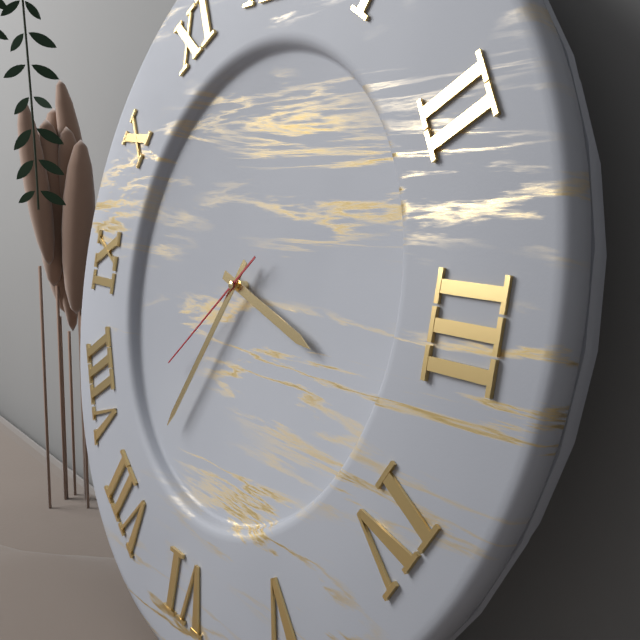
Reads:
h=3 m=35 s=38
